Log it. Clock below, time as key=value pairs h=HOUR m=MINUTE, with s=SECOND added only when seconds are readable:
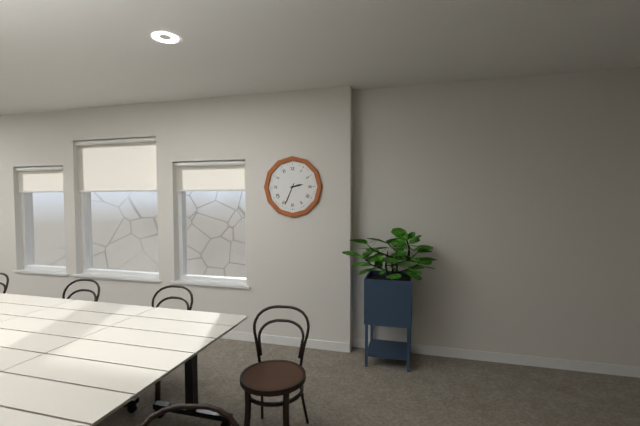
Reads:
h=2 m=34
